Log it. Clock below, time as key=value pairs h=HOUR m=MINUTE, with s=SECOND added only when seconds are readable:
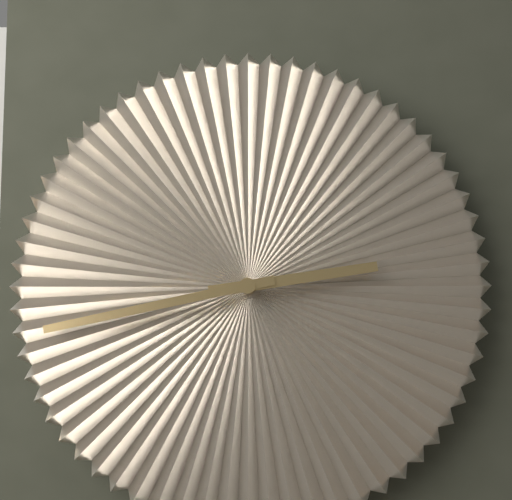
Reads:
h=2 m=43
